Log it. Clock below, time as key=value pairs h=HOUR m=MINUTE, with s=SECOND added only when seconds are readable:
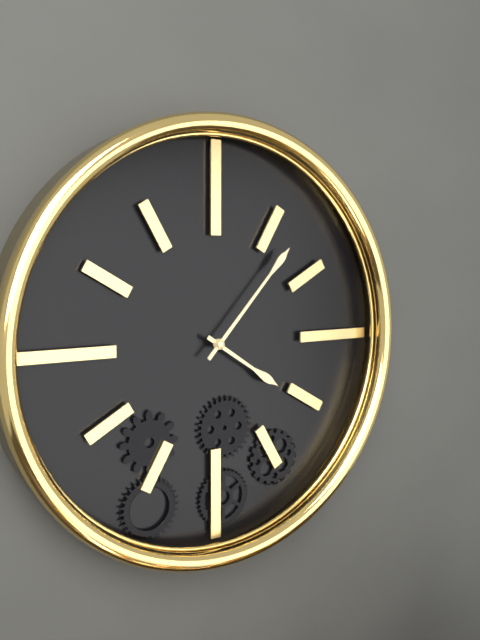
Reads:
h=4 m=7
